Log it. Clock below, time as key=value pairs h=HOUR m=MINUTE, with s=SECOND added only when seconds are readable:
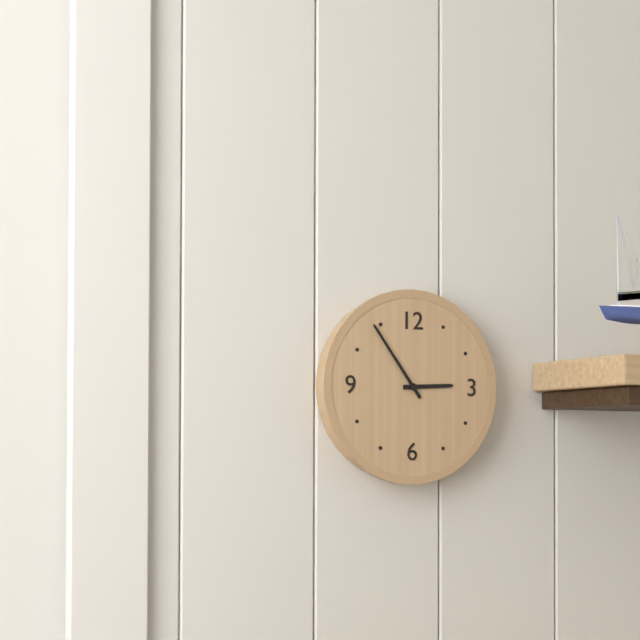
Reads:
h=2 m=54
